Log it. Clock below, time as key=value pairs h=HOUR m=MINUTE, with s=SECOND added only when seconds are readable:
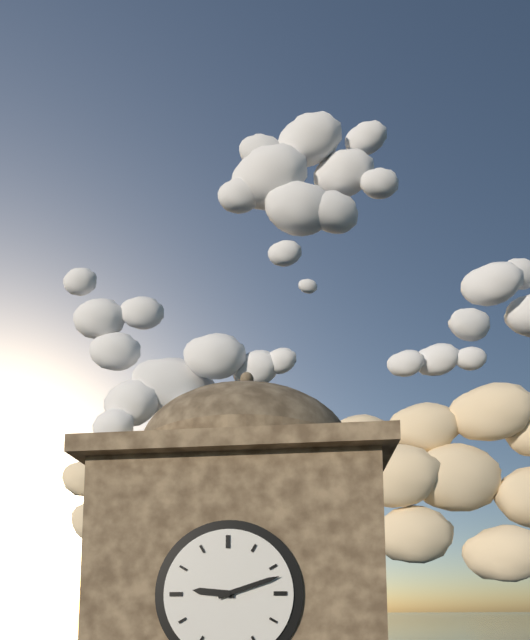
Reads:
h=9 m=12
